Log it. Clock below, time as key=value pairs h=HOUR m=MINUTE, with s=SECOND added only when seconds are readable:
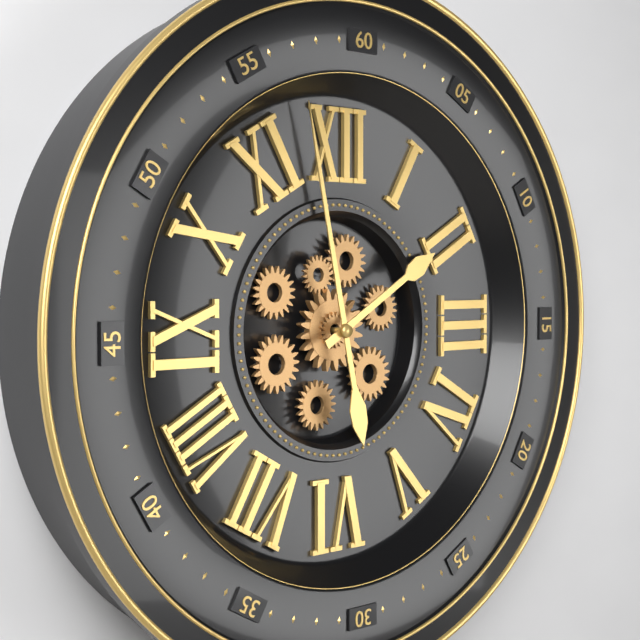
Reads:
h=1 m=58
